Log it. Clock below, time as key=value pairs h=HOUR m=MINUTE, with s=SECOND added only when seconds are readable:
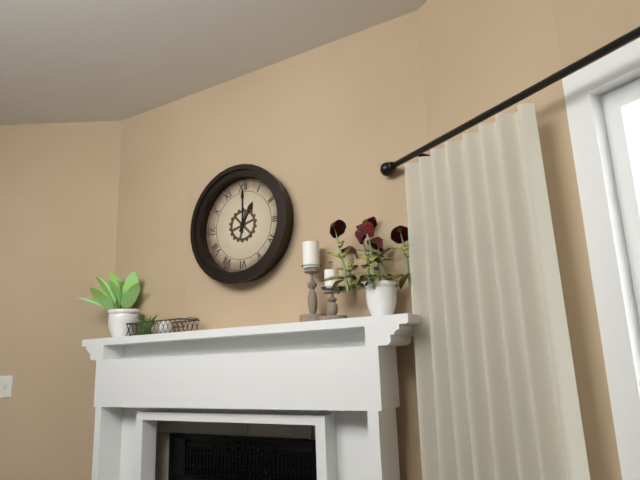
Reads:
h=1 m=0
